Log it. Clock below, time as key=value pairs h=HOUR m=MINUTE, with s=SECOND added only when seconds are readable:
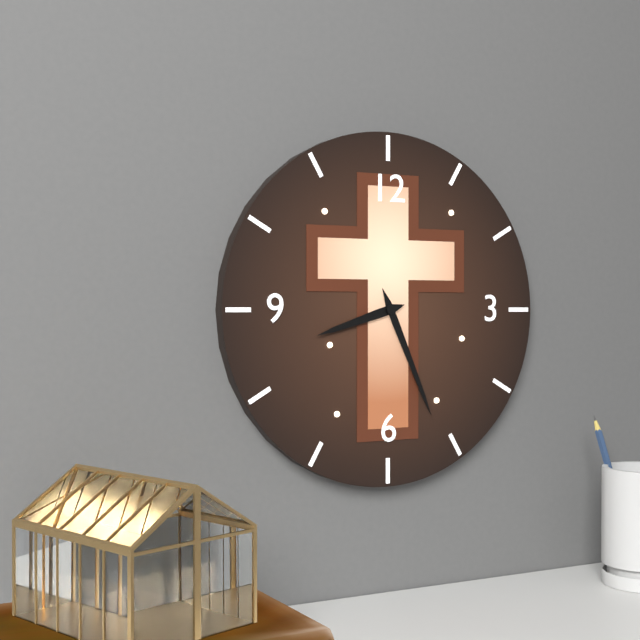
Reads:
h=8 m=26
